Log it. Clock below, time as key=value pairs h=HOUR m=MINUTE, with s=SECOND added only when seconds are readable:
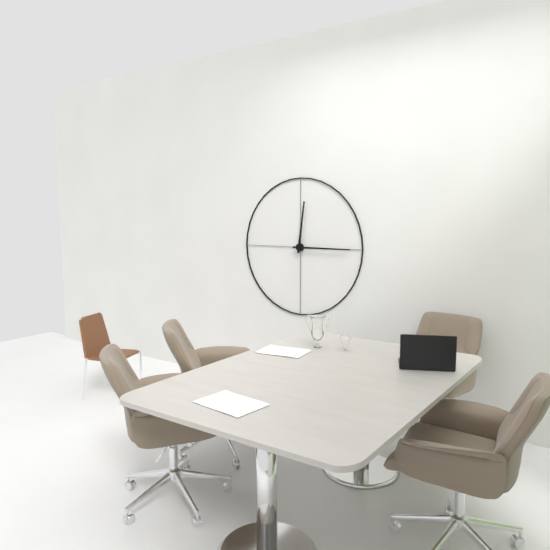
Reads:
h=12 m=15
